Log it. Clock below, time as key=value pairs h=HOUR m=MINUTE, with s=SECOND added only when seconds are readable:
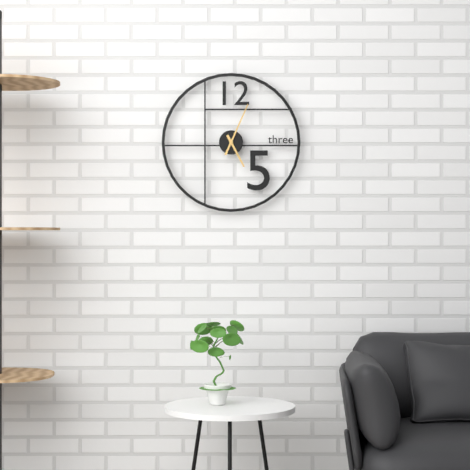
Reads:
h=5 m=4
